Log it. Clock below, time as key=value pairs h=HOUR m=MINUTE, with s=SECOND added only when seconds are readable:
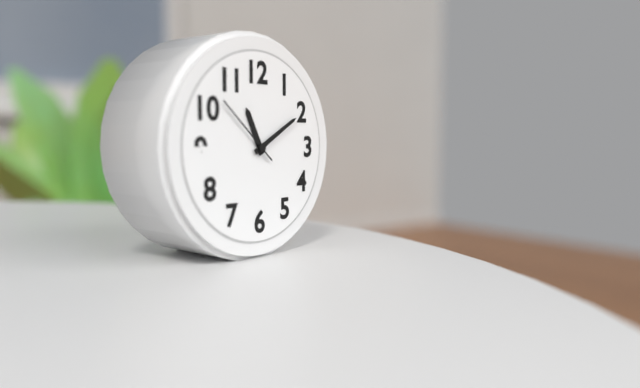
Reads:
h=11 m=10 s=52
